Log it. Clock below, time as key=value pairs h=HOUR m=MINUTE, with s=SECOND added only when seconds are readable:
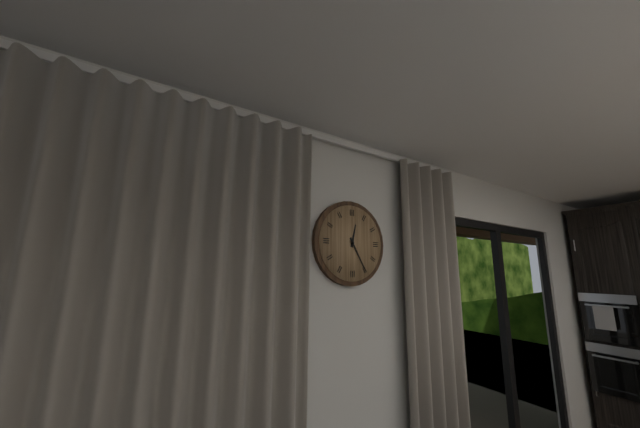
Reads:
h=12 m=25
